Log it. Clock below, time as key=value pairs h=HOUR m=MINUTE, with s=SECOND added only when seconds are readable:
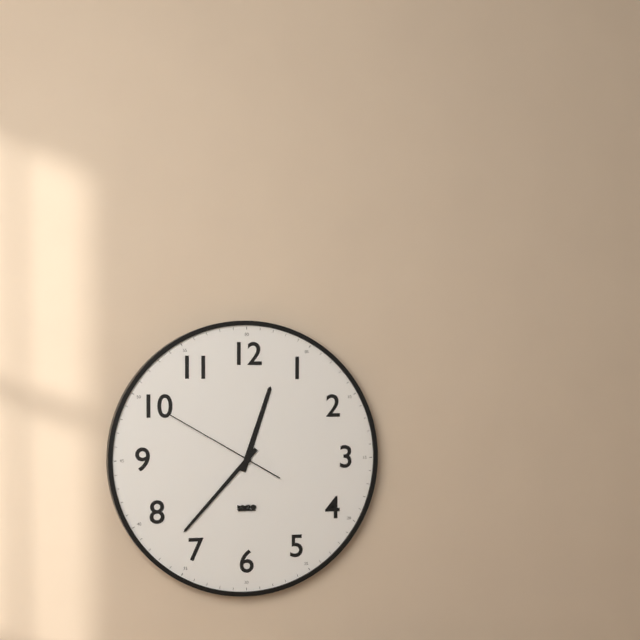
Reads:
h=12 m=37 s=50
